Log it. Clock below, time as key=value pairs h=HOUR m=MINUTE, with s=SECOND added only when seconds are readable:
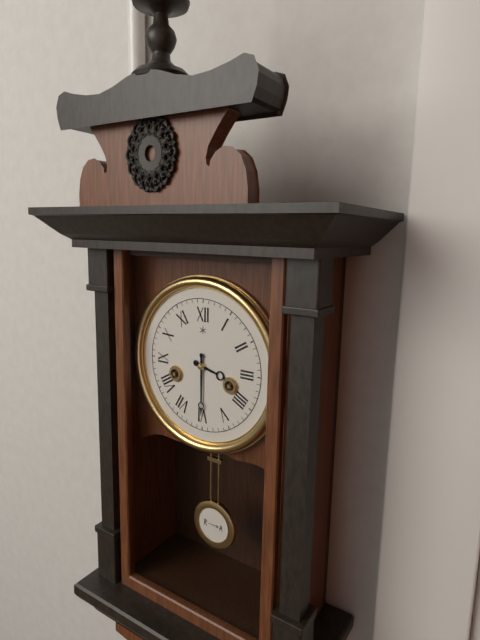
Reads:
h=3 m=30
